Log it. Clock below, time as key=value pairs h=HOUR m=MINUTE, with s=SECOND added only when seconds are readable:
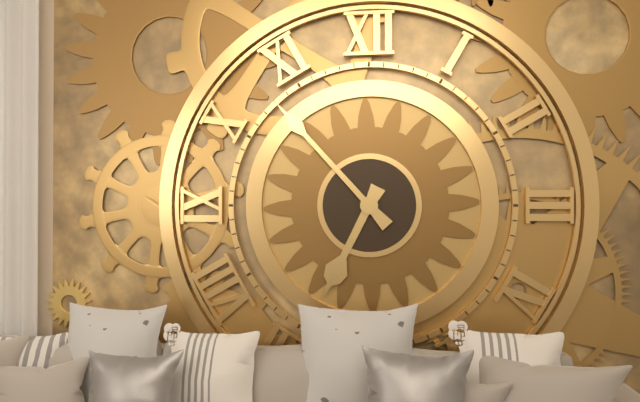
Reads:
h=6 m=53
